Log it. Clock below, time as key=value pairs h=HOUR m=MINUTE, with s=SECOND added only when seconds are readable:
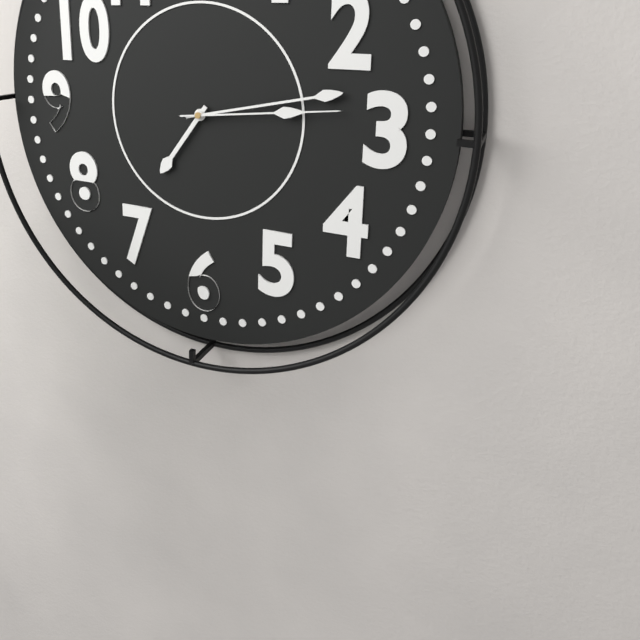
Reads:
h=7 m=13 s=14
